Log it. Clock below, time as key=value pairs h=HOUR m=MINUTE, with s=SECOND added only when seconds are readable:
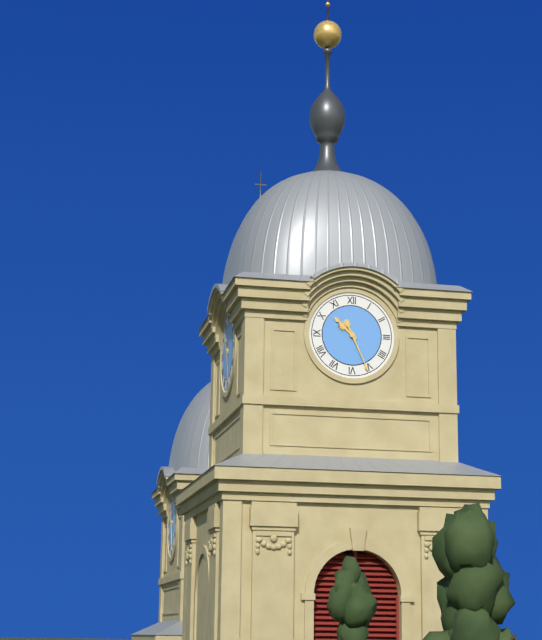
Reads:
h=10 m=26
